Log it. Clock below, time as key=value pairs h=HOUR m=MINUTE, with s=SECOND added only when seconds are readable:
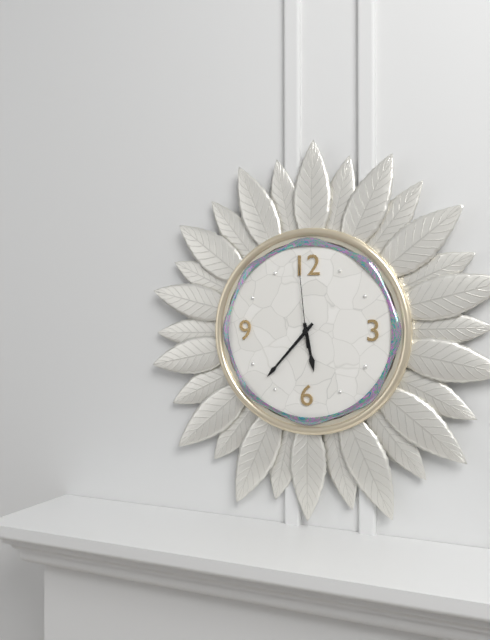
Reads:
h=5 m=37 s=59
